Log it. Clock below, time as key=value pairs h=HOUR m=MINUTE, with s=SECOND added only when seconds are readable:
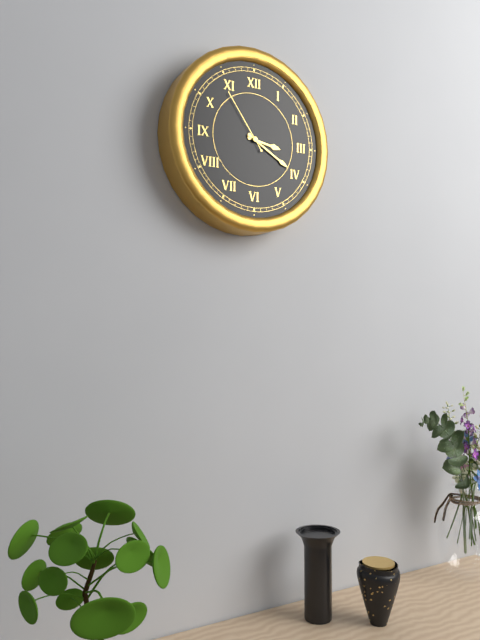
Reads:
h=3 m=20 s=54
